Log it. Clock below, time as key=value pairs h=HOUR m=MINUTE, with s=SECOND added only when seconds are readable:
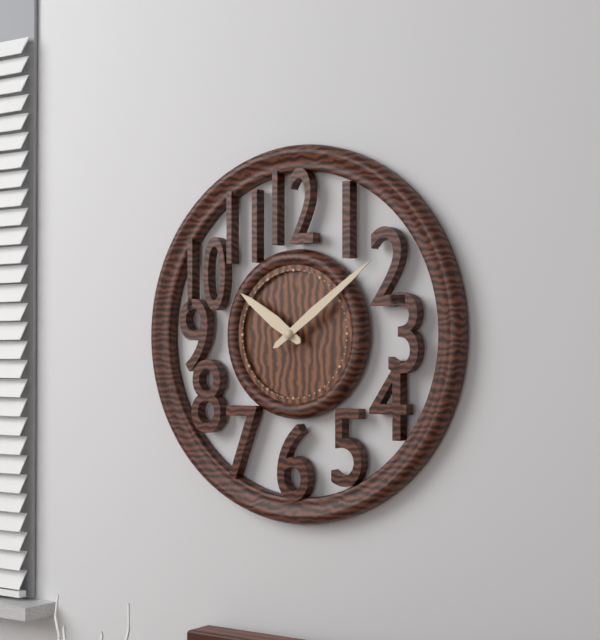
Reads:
h=10 m=9
